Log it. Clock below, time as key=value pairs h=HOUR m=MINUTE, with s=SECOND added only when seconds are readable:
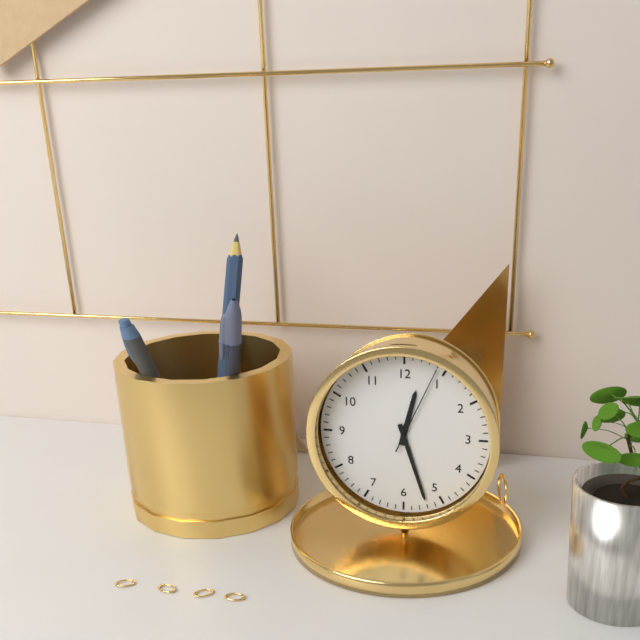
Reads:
h=12 m=27 s=4
